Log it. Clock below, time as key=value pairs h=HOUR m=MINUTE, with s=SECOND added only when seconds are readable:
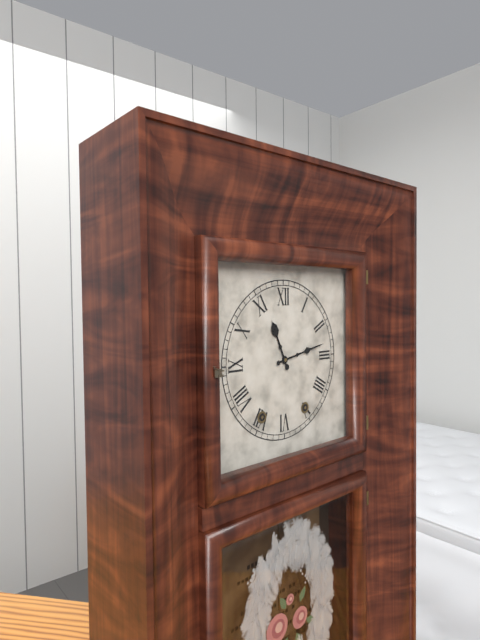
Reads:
h=11 m=13
